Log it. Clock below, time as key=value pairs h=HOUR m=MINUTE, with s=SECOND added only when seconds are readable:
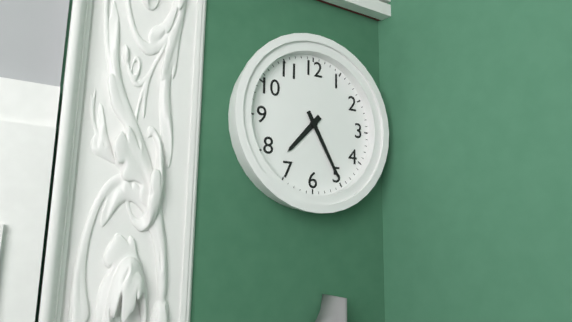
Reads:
h=7 m=25
